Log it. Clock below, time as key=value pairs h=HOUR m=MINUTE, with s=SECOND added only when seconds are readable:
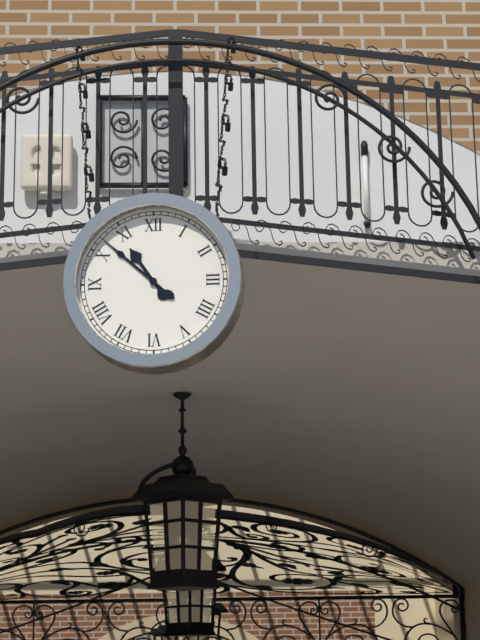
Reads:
h=10 m=52
